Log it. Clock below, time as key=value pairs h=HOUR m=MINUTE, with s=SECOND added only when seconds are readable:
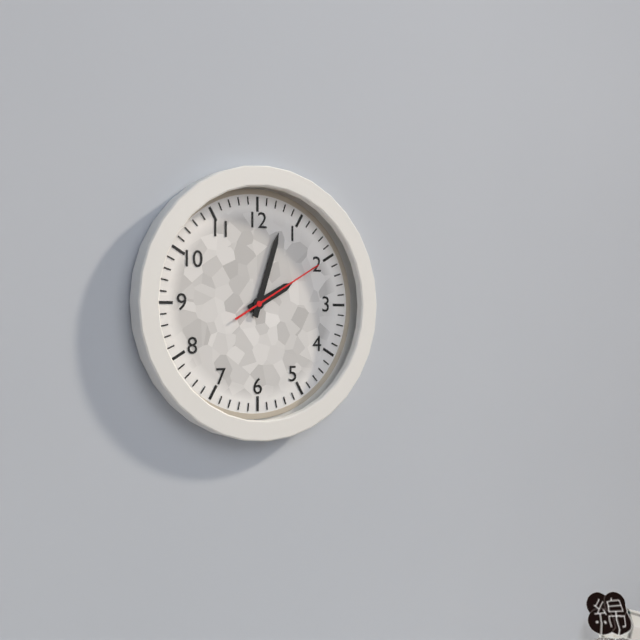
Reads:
h=2 m=3 s=10
